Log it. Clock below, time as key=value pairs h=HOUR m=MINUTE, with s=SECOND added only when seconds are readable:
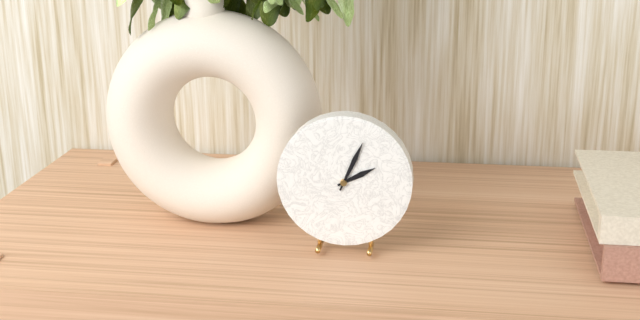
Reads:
h=2 m=4
